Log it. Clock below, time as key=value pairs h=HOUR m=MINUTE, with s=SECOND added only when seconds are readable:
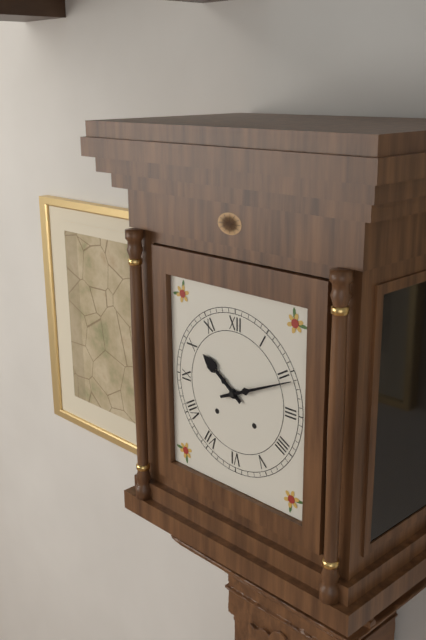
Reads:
h=10 m=11
